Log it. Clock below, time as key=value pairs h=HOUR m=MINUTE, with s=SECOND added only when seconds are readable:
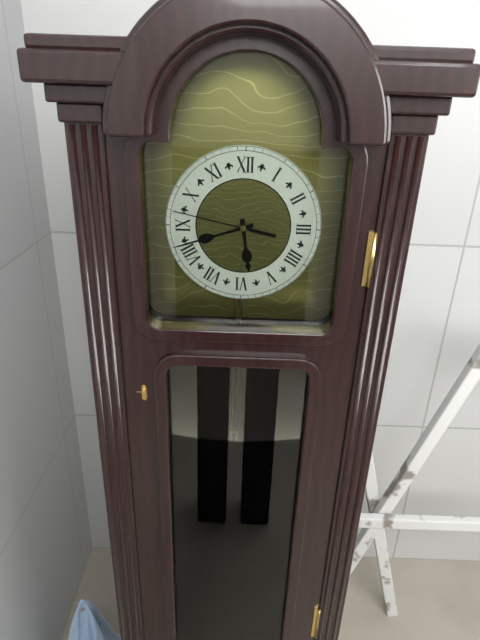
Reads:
h=5 m=42 s=47
